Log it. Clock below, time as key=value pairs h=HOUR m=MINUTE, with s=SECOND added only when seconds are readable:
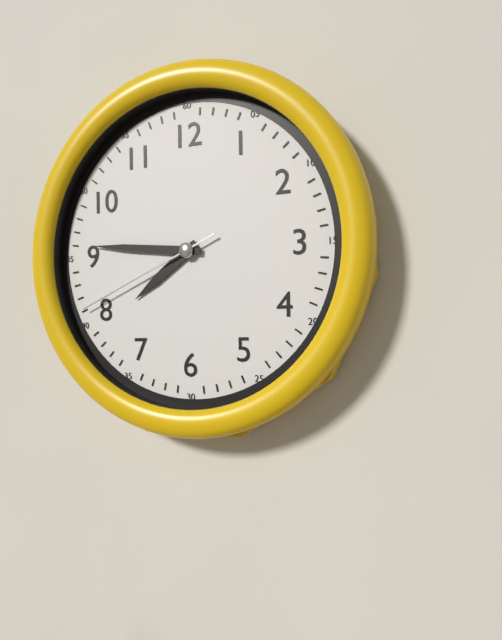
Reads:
h=7 m=46 s=41
